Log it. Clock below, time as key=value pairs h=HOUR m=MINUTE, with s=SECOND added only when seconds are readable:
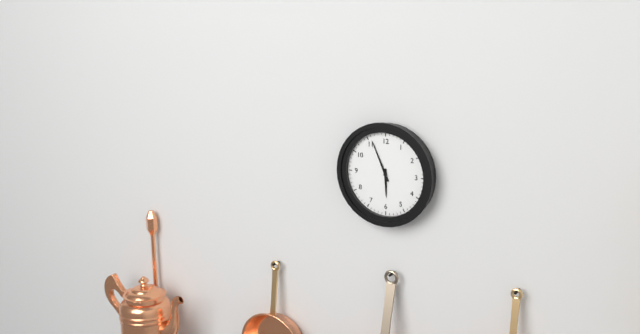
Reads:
h=5 m=56
